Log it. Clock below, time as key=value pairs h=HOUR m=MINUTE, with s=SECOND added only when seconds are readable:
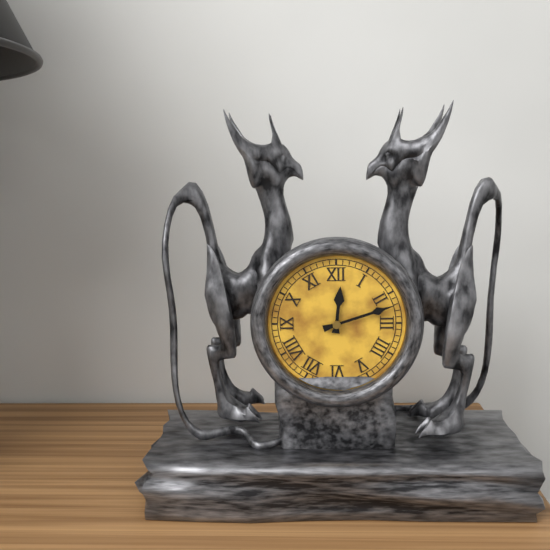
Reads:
h=12 m=12
